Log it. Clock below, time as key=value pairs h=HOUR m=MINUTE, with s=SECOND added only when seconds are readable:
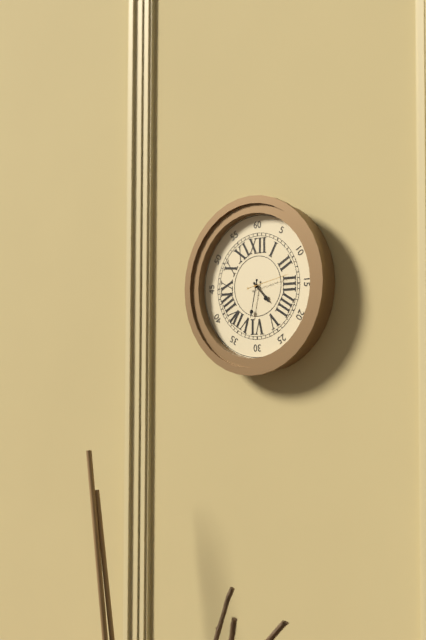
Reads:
h=4 m=32
